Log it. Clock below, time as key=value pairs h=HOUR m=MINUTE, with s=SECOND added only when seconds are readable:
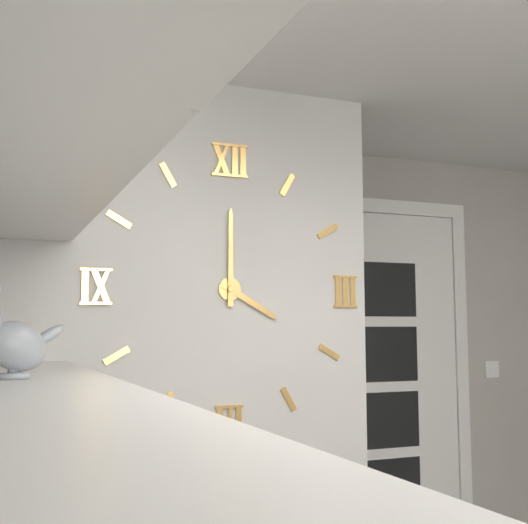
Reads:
h=4 m=0
